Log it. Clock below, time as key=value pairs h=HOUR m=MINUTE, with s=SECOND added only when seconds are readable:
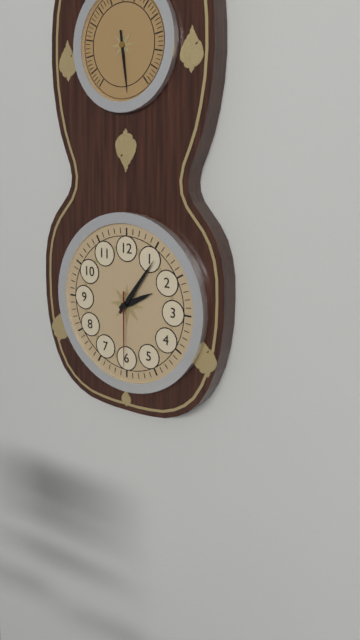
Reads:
h=2 m=6 s=30
